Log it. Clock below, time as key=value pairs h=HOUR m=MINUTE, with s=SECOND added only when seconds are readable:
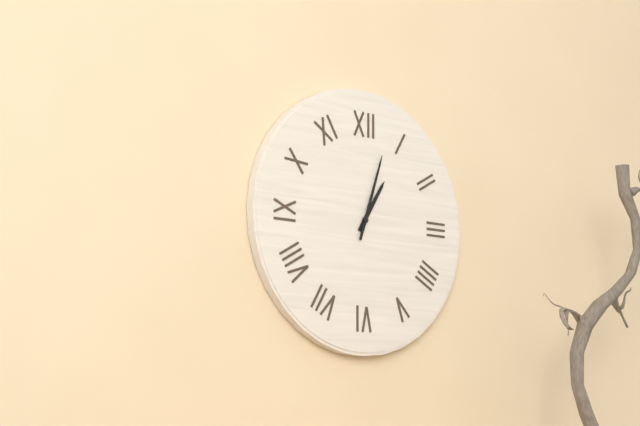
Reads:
h=1 m=3
